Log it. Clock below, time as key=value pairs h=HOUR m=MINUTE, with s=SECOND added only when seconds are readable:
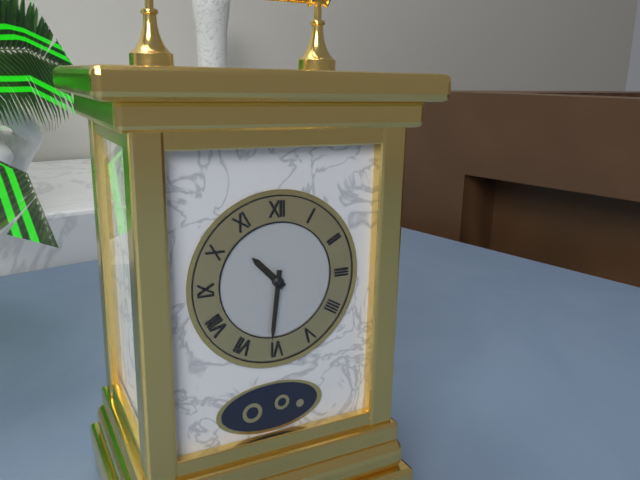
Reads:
h=10 m=31
